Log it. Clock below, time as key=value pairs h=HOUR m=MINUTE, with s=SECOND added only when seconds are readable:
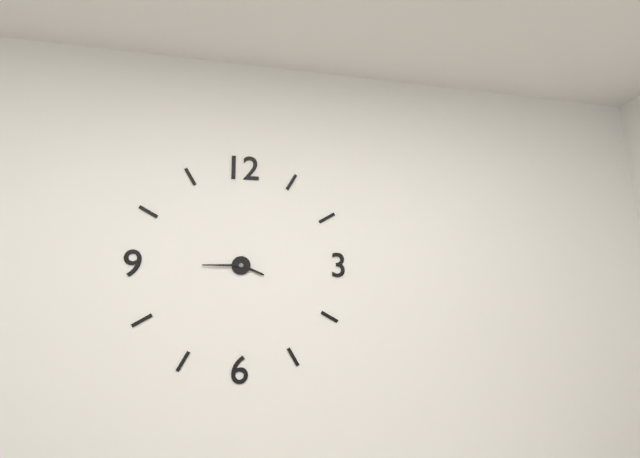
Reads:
h=3 m=45
